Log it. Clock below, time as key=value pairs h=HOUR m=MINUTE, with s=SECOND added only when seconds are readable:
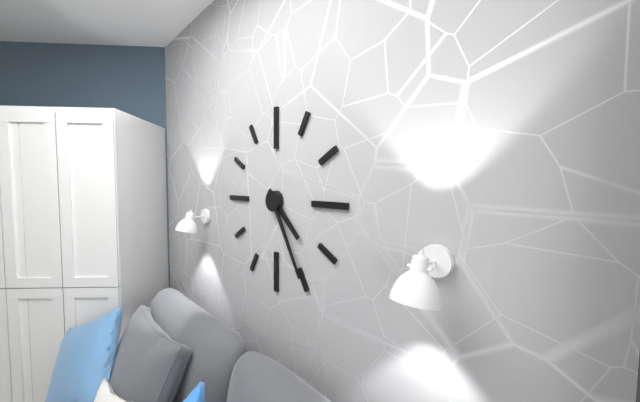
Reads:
h=4 m=25
